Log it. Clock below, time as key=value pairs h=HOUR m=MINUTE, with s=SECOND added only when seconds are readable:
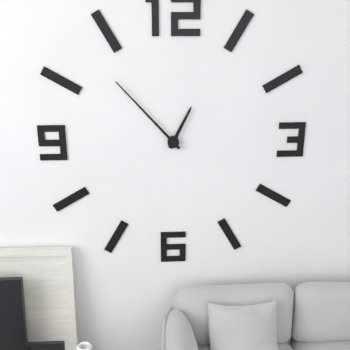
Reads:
h=12 m=53
